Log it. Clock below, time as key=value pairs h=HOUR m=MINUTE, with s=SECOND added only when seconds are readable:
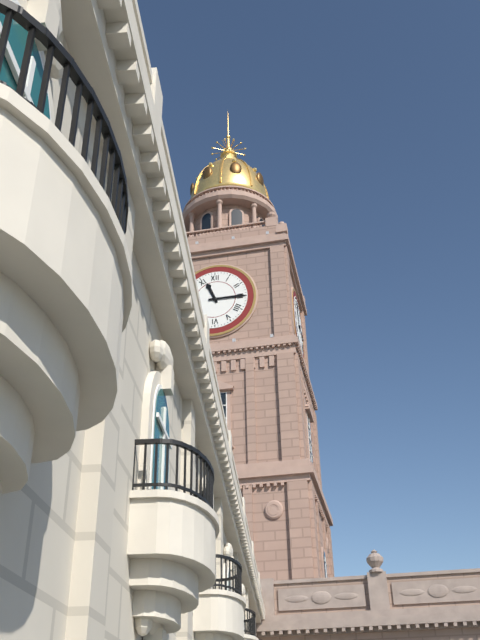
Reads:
h=11 m=15
